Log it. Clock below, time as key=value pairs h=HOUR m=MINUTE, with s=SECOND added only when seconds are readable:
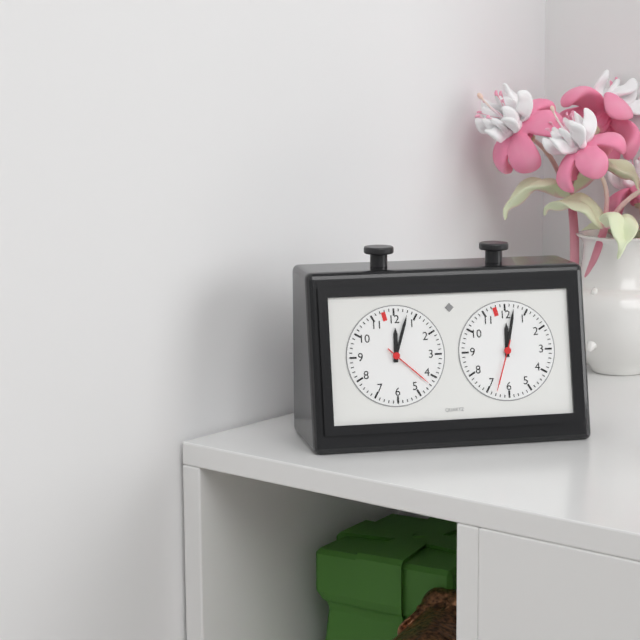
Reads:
h=12 m=3 s=22
